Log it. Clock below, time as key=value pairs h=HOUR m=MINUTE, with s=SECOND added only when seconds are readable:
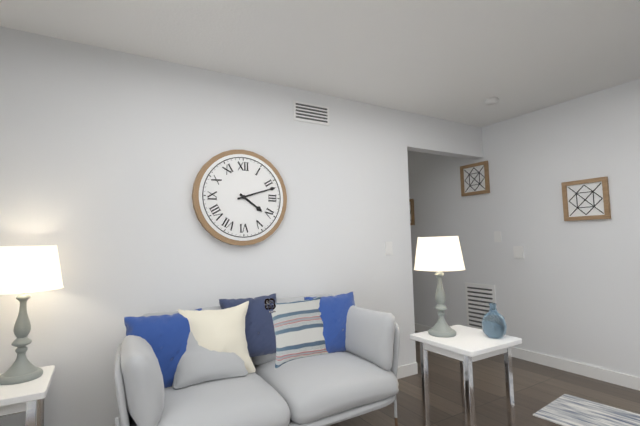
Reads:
h=4 m=12
